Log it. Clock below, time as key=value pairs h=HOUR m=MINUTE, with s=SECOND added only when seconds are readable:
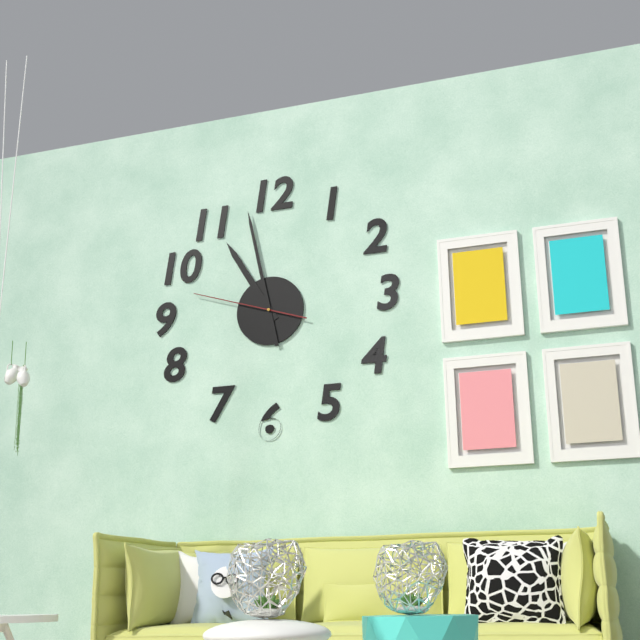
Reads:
h=10 m=58 s=48
